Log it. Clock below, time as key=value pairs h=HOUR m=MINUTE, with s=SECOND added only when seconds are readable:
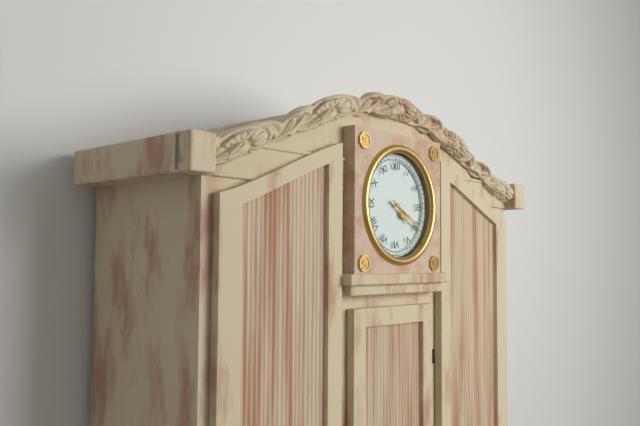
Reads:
h=4 m=20
